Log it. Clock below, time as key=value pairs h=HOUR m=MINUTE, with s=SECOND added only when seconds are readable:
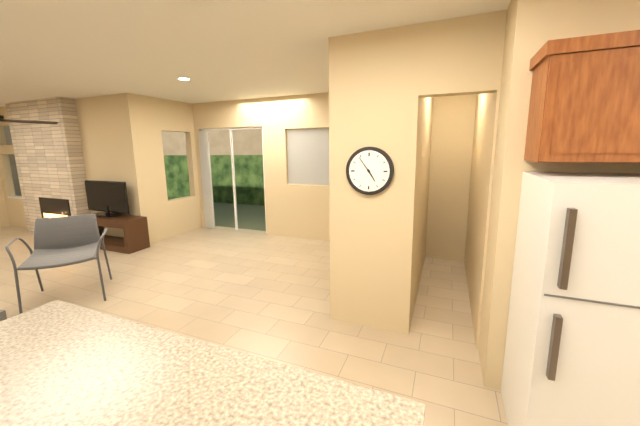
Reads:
h=4 m=54
